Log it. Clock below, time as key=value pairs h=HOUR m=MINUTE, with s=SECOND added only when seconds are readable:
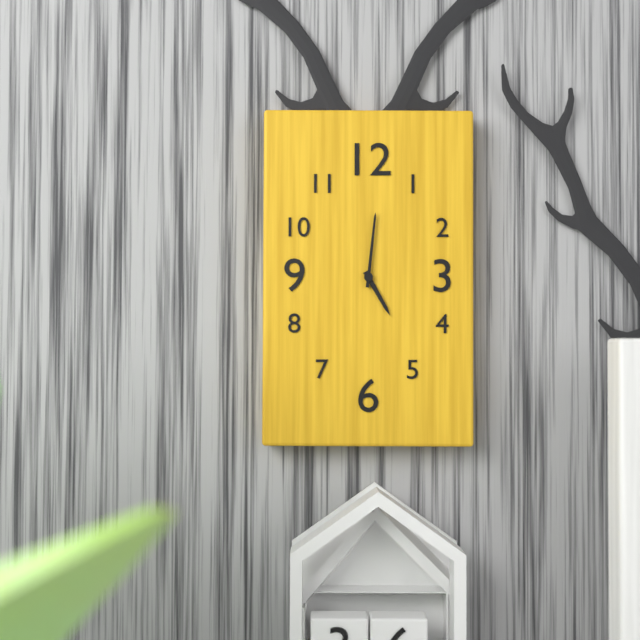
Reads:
h=5 m=1
